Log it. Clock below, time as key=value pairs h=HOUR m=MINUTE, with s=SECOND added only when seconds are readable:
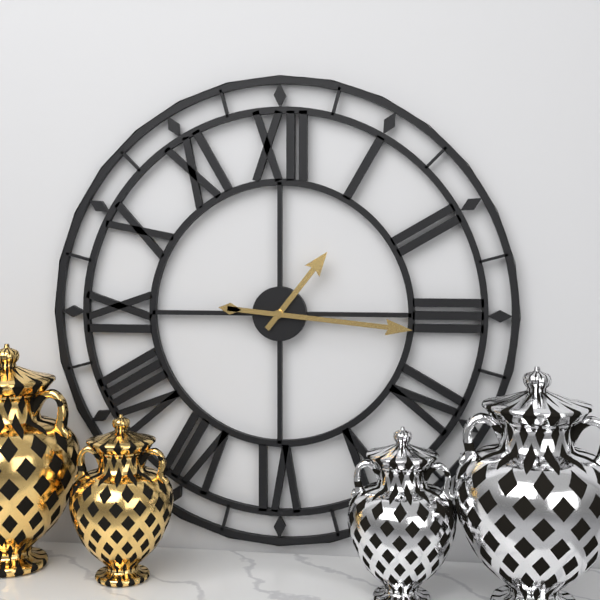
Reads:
h=1 m=16
